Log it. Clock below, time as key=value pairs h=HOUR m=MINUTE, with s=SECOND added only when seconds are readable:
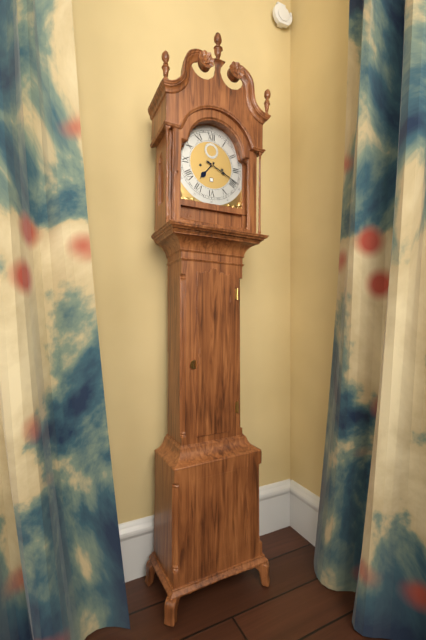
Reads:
h=7 m=19
